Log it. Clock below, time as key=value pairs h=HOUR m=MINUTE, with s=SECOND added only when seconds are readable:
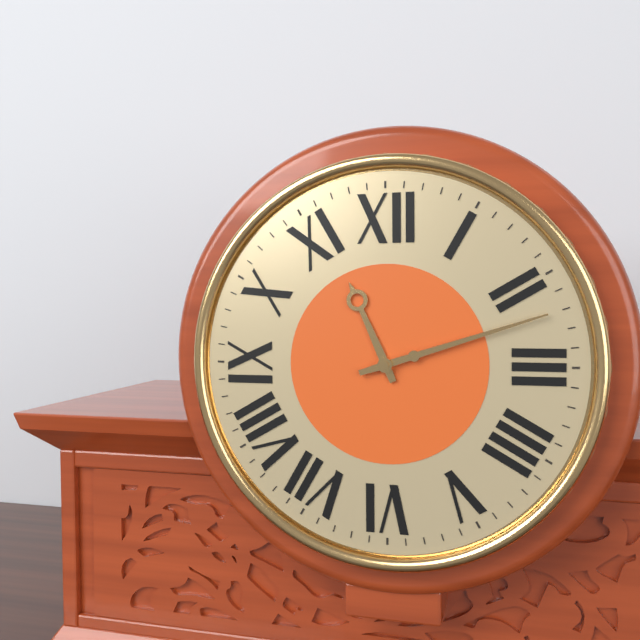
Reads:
h=11 m=12
